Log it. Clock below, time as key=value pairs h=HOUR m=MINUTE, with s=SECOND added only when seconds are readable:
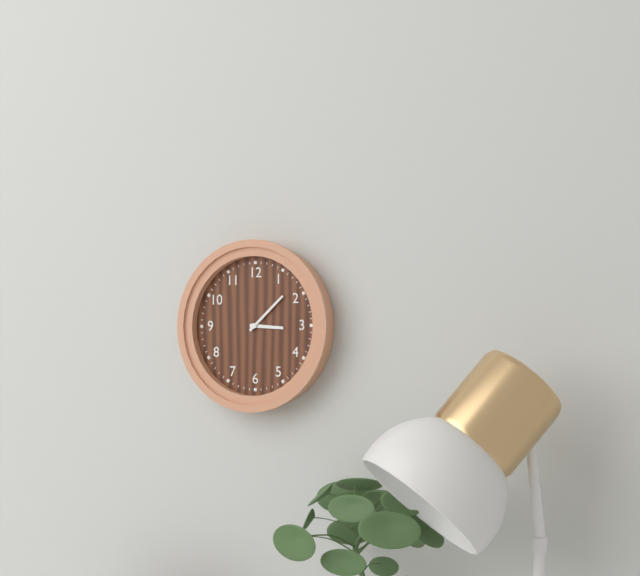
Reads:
h=3 m=8
